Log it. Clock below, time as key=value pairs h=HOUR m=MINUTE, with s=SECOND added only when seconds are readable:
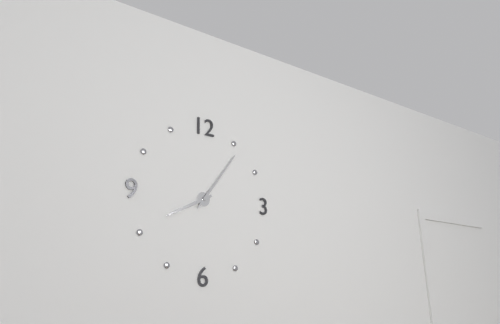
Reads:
h=8 m=6
